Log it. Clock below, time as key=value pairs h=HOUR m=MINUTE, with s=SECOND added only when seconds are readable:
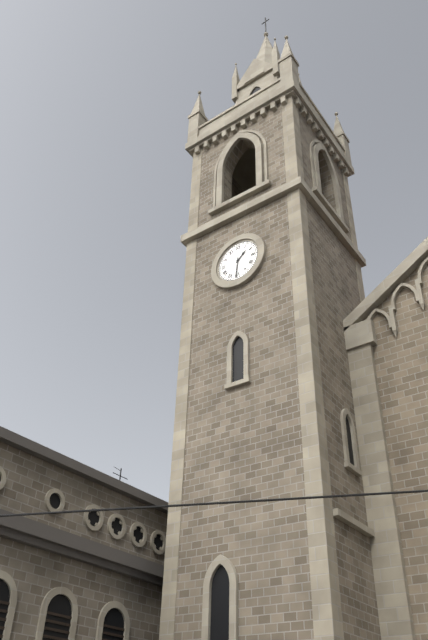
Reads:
h=1 m=31
